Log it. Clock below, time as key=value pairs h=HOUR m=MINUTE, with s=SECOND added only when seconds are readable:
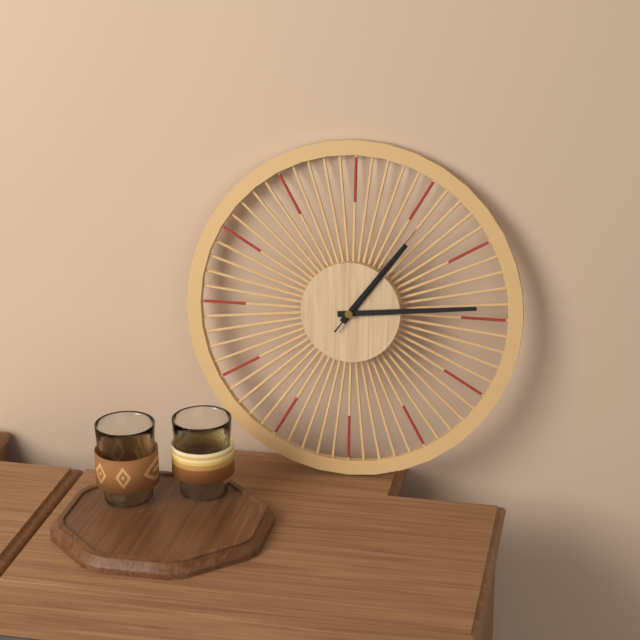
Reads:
h=1 m=14 s=6
